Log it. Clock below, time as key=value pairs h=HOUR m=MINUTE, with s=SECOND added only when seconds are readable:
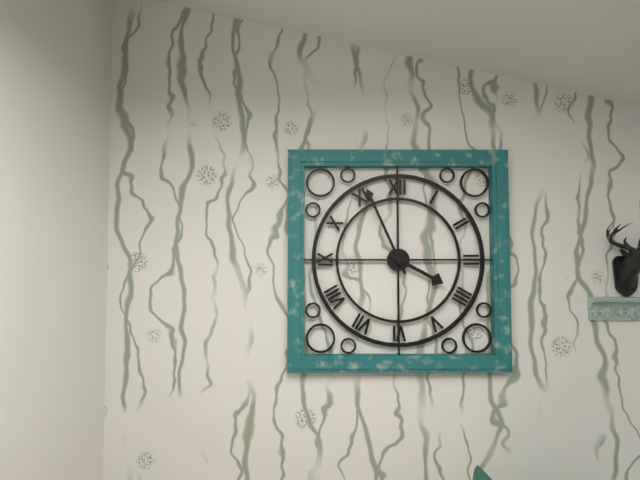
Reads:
h=3 m=56
